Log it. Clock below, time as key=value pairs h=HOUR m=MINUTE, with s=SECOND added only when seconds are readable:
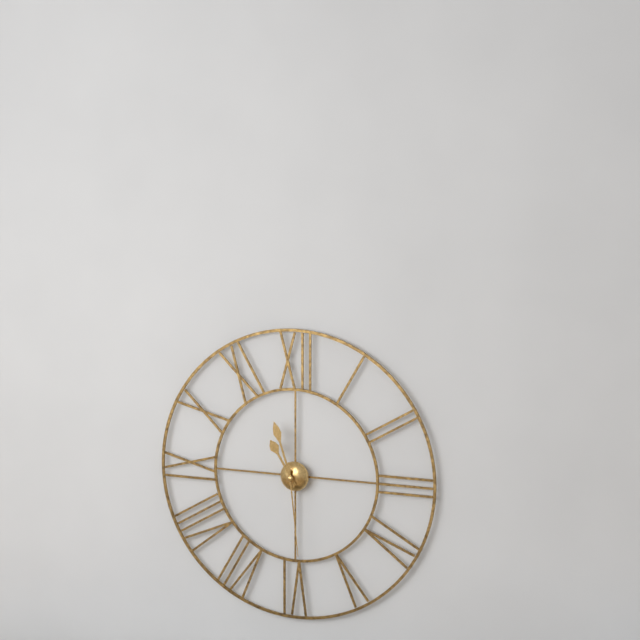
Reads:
h=10 m=57 s=29
